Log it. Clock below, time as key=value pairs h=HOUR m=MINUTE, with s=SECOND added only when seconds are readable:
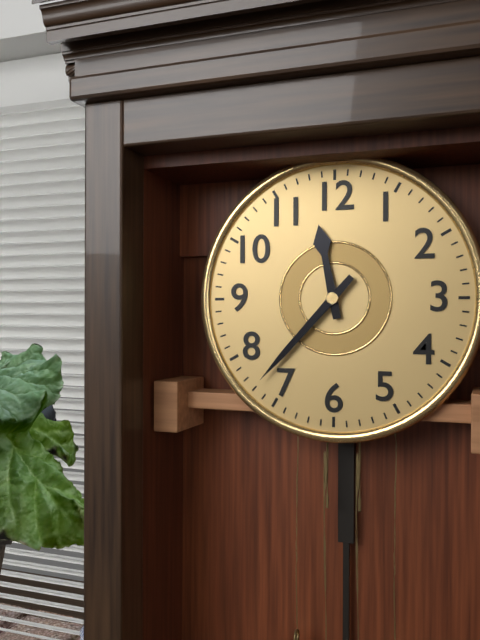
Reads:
h=11 m=37
